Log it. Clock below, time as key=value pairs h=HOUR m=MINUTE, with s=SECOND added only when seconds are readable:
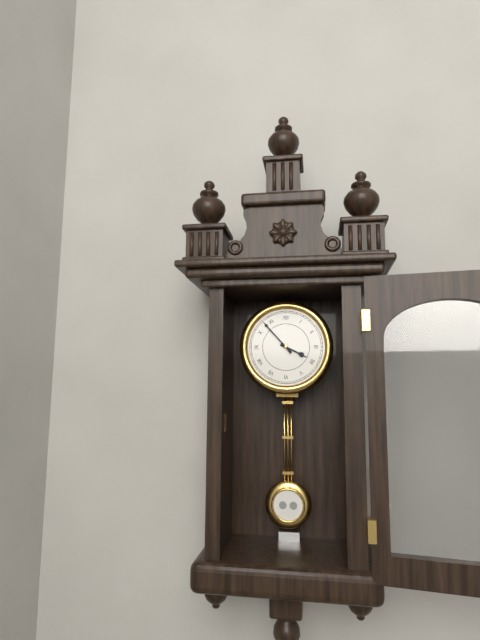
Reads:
h=3 m=53
